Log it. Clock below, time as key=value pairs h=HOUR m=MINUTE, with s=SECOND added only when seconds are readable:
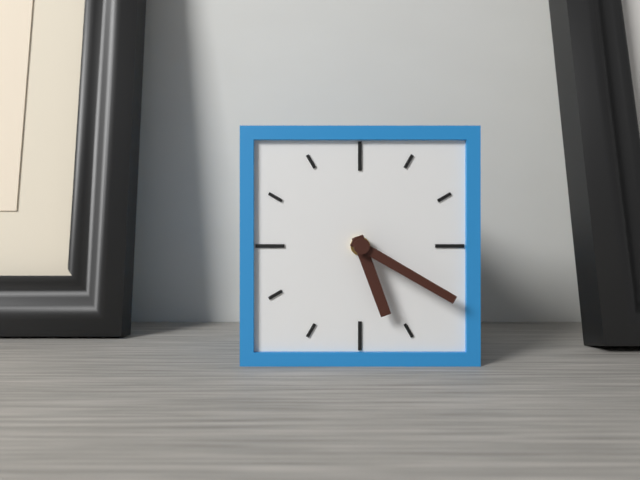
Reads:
h=5 m=20
